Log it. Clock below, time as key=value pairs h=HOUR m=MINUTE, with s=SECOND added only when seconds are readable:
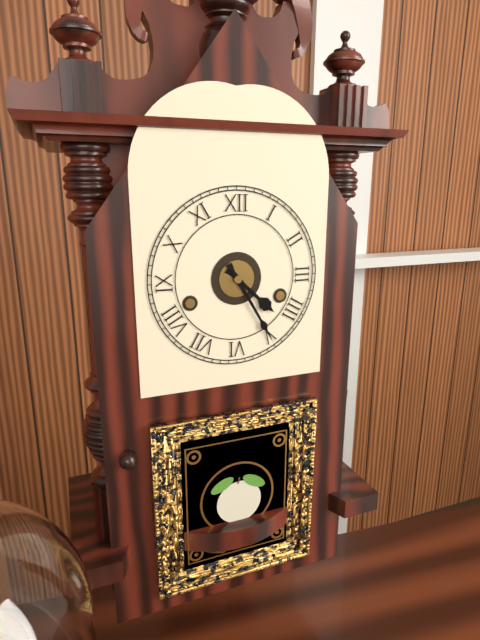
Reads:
h=4 m=25
